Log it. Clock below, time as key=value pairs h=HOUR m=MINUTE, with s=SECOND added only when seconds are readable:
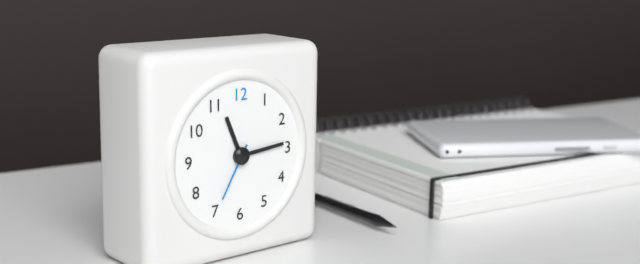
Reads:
h=11 m=14 s=35
